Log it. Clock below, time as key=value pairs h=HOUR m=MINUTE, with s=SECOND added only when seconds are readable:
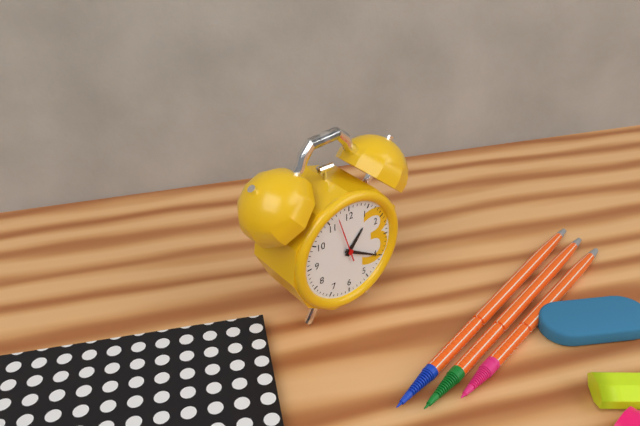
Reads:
h=1 m=20
